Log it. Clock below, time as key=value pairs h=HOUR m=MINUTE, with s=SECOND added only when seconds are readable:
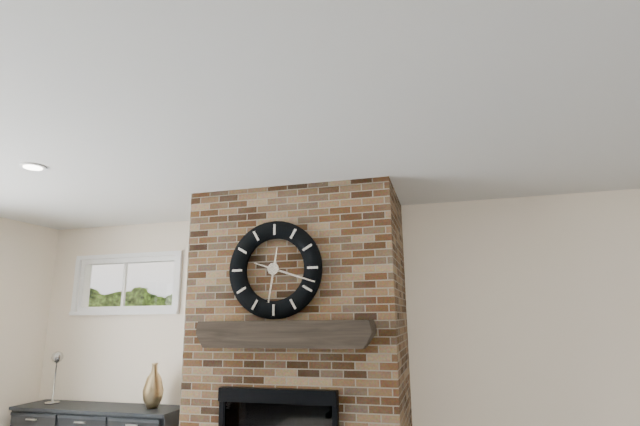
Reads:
h=6 m=18
